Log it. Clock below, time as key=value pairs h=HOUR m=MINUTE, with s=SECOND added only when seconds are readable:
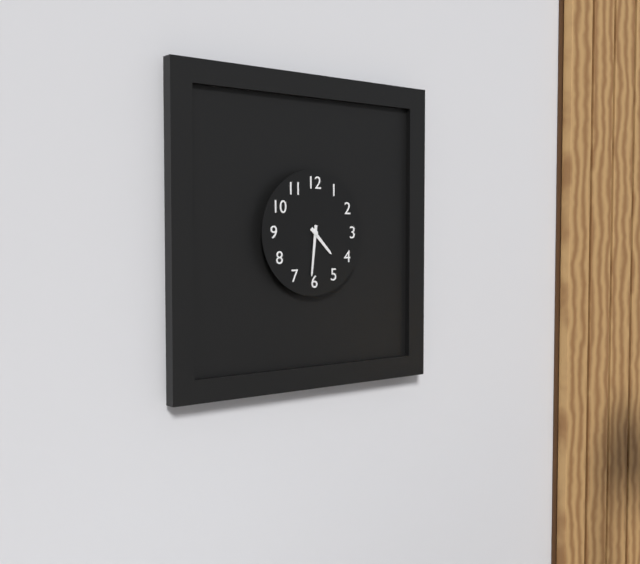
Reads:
h=4 m=31
